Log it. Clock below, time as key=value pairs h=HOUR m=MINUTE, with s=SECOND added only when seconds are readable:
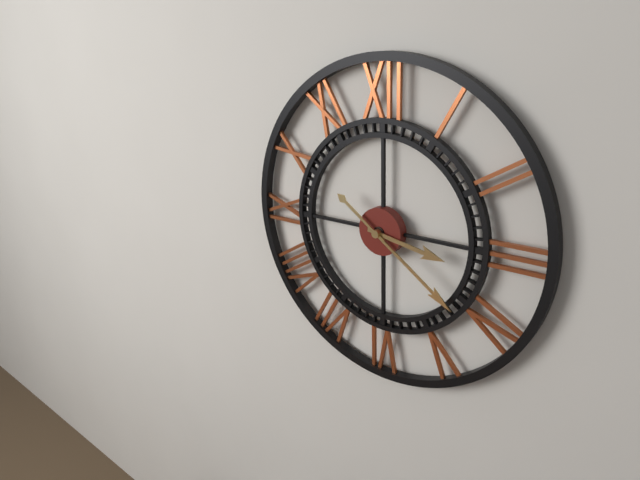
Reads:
h=3 m=21
